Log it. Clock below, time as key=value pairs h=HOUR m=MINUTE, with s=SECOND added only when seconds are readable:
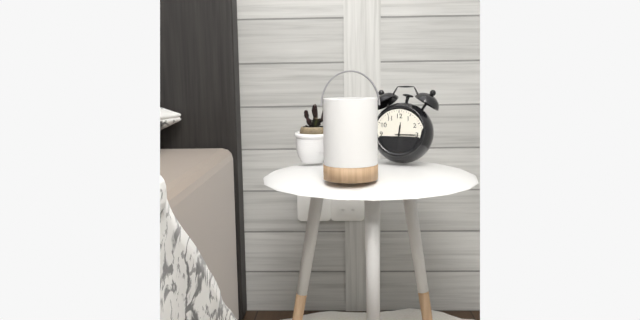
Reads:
h=12 m=15
